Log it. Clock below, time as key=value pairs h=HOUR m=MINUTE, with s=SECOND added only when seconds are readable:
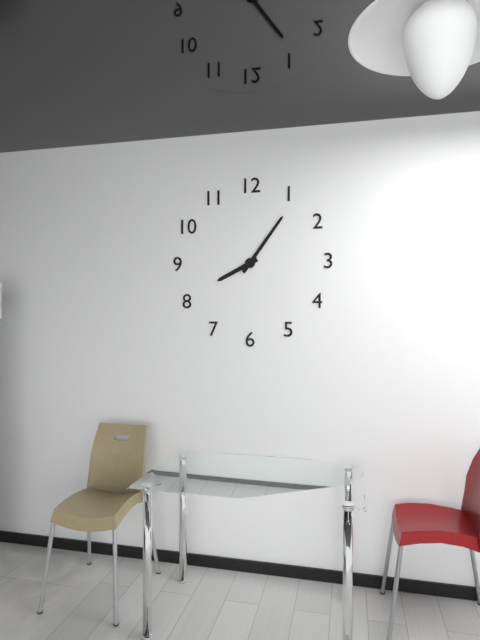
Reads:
h=8 m=6
